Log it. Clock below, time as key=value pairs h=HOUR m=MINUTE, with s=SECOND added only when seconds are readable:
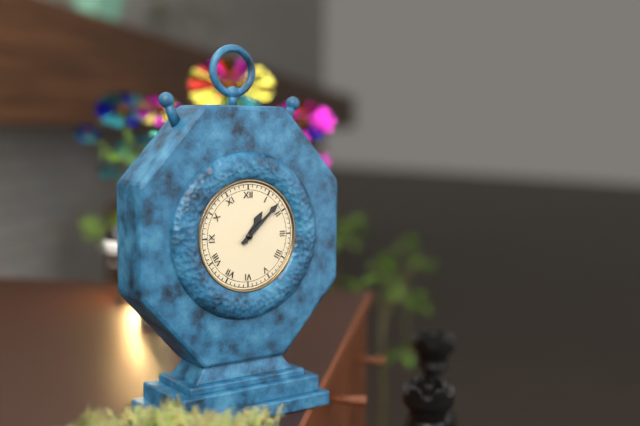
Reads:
h=1 m=8
